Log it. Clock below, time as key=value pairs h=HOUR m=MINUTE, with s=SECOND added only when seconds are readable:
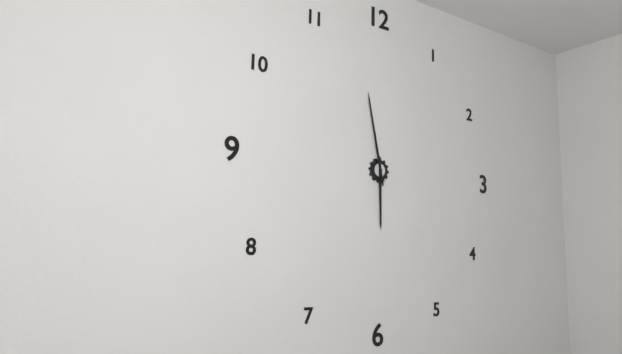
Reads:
h=5 m=58
